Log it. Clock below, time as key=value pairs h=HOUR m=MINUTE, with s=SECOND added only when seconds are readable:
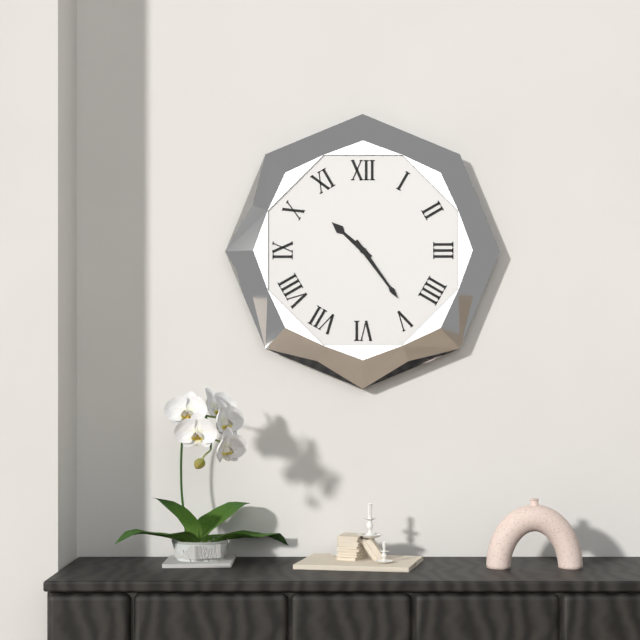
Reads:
h=10 m=24
